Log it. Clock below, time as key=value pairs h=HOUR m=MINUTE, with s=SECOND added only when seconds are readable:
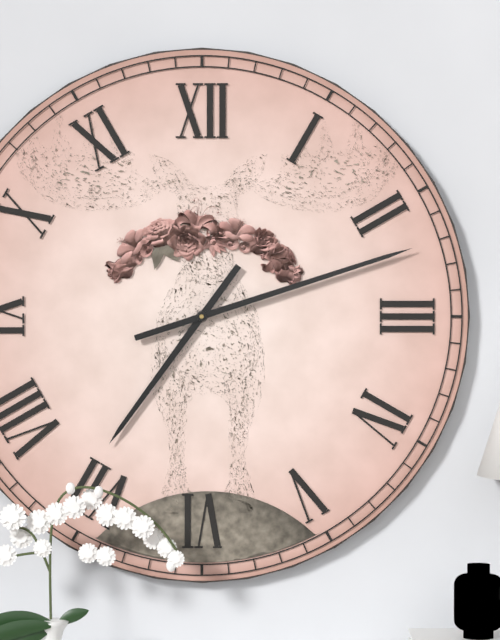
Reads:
h=7 m=12
